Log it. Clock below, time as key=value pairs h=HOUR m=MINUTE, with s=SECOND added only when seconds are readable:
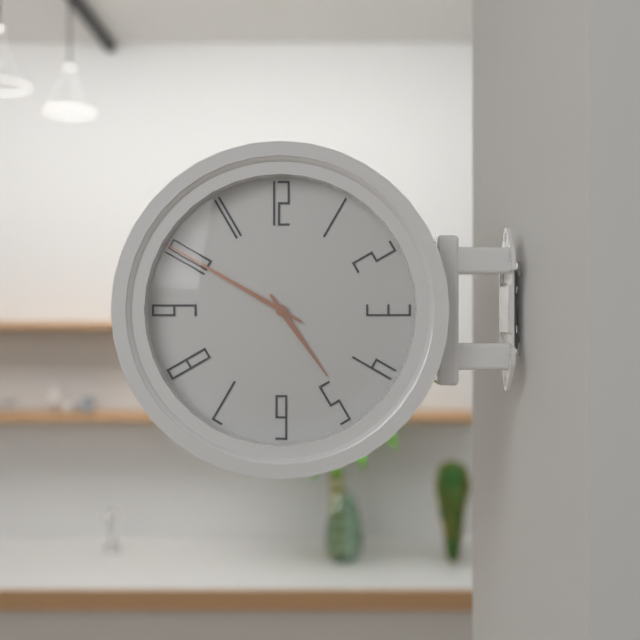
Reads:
h=4 m=50
